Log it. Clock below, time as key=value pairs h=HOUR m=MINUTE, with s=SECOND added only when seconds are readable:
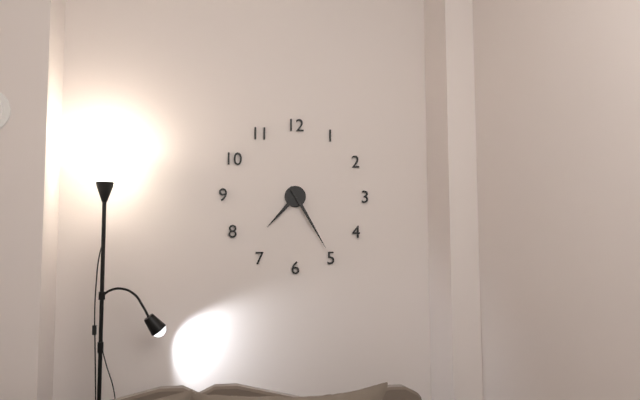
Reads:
h=7 m=25
